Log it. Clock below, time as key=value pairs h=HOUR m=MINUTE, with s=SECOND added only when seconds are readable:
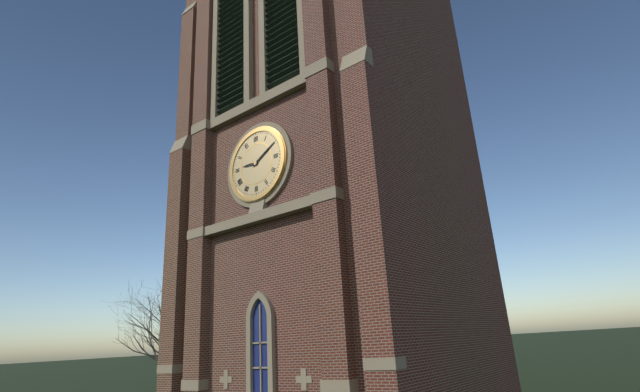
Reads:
h=9 m=10
